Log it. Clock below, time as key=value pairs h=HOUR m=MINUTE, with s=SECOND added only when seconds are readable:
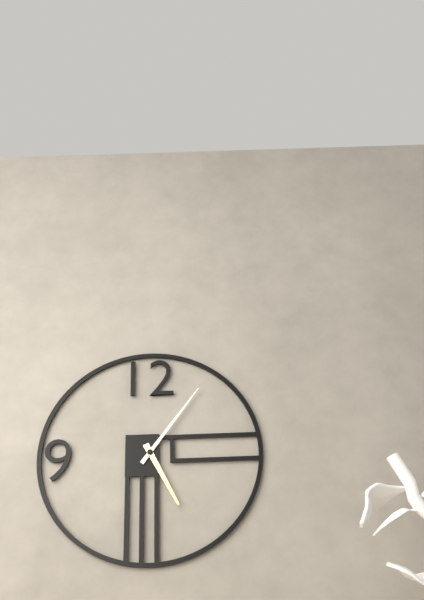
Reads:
h=5 m=6
